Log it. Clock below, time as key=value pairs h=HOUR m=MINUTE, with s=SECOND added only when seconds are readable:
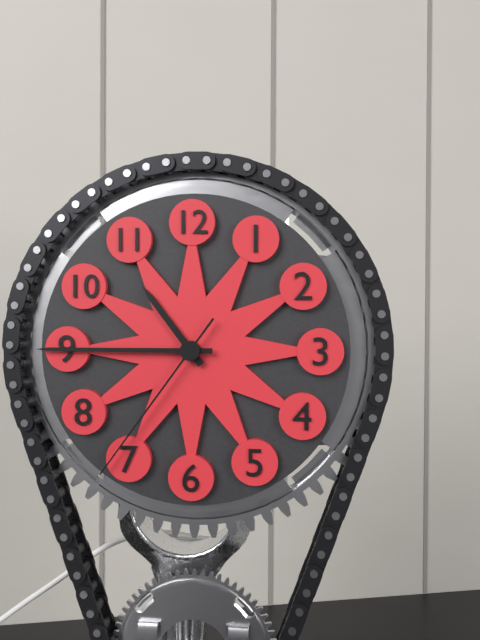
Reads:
h=10 m=45 s=36
